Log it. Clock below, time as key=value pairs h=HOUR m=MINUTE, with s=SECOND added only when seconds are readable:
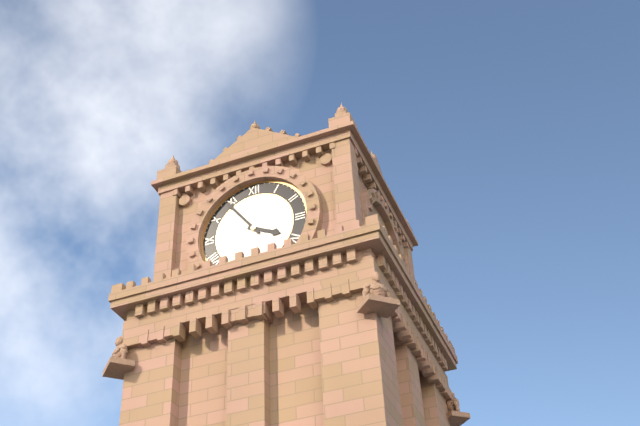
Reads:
h=3 m=54
